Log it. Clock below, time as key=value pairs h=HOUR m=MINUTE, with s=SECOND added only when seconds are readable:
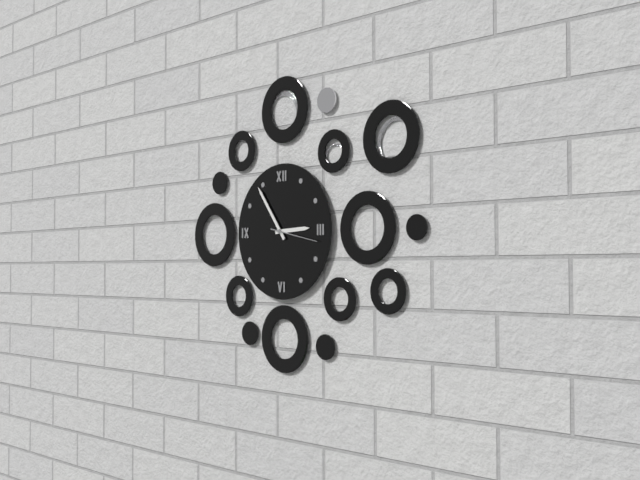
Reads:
h=2 m=54
